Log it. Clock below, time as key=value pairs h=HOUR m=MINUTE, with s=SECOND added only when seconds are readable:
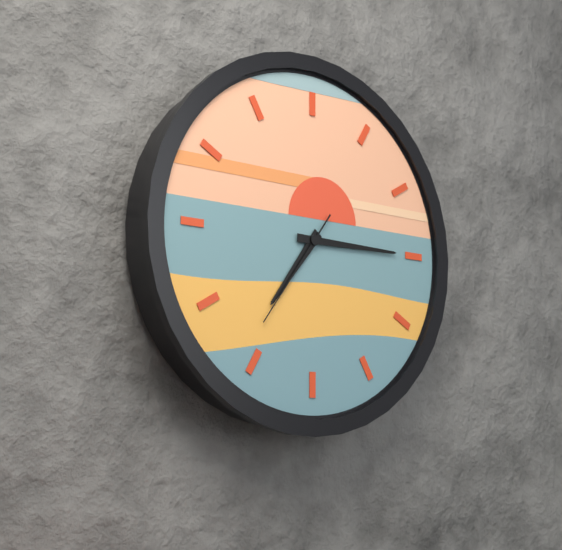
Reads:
h=7 m=15 s=36
